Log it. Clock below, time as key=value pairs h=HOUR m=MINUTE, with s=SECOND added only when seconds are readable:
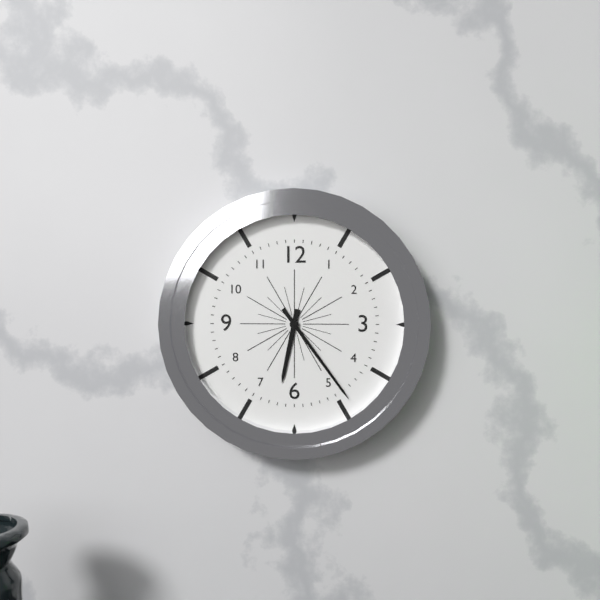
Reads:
h=6 m=24
